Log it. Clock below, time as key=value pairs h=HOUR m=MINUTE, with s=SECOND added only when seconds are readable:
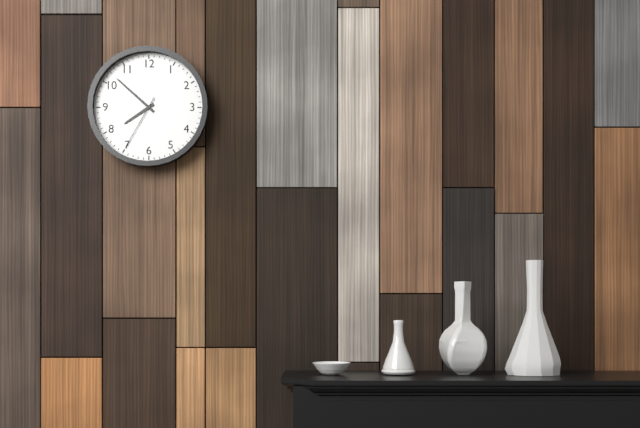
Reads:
h=7 m=52 s=35
